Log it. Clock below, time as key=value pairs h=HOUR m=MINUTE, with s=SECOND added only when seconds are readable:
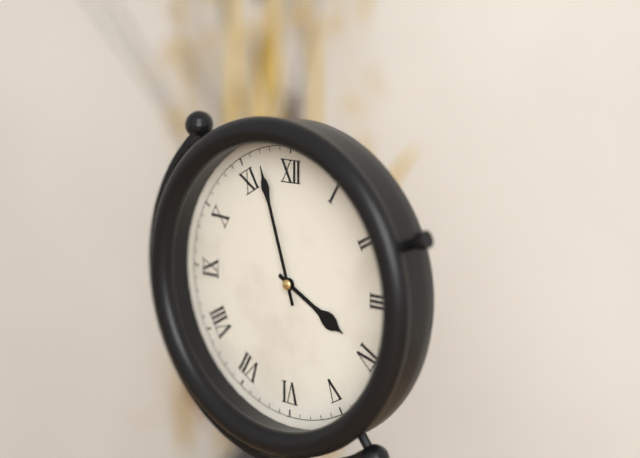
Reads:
h=3 m=57
